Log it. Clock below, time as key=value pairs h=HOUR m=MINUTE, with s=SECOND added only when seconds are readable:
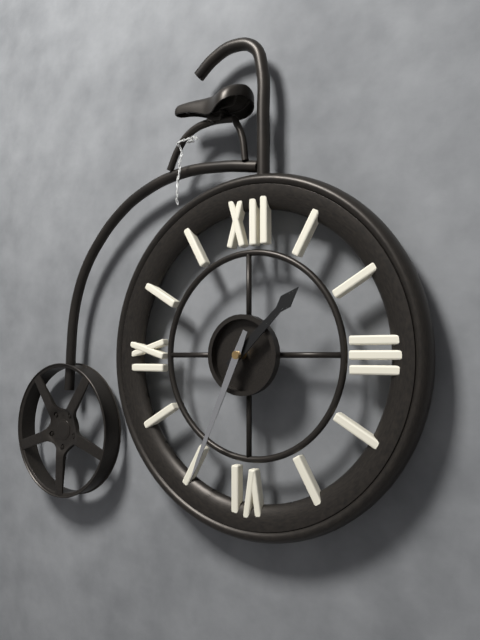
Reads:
h=1 m=34
